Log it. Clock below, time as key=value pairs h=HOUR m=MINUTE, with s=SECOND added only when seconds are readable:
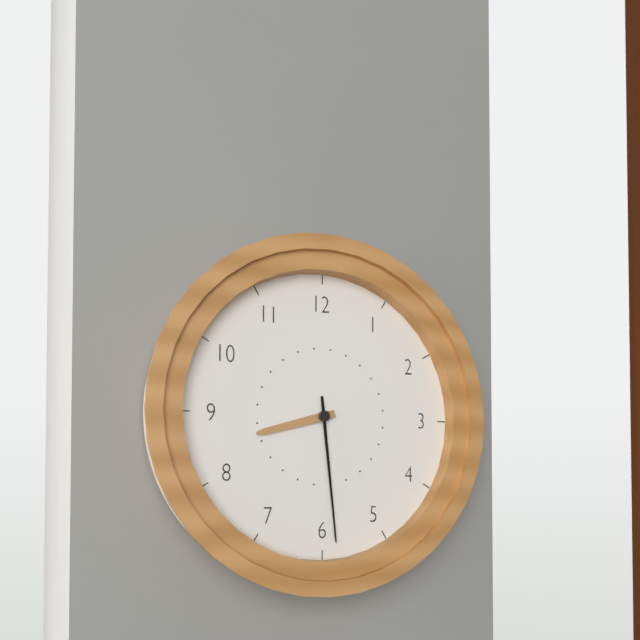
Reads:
h=8 m=29
